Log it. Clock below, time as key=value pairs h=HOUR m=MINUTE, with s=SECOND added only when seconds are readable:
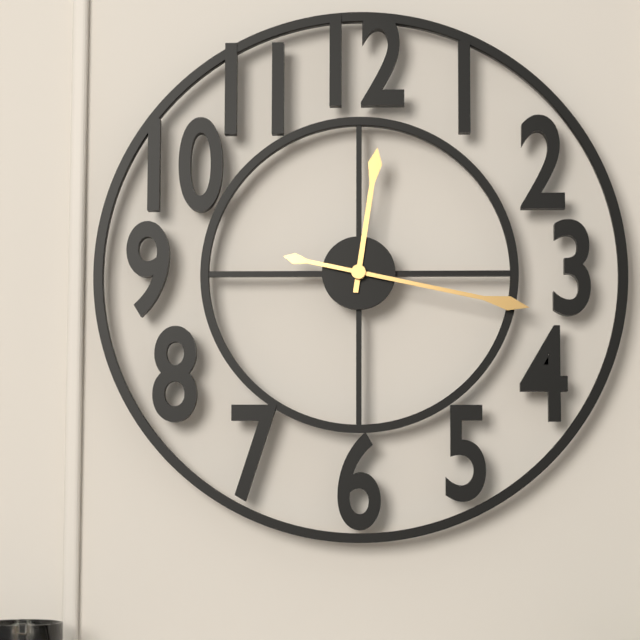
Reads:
h=12 m=17
